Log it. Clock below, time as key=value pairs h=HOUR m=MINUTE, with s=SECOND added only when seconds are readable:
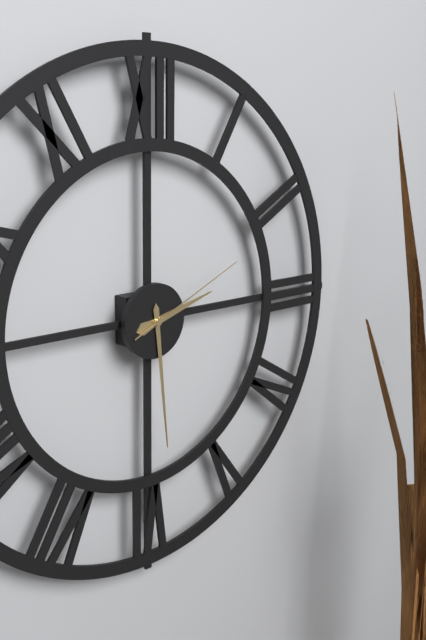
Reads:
h=2 m=29 s=11
